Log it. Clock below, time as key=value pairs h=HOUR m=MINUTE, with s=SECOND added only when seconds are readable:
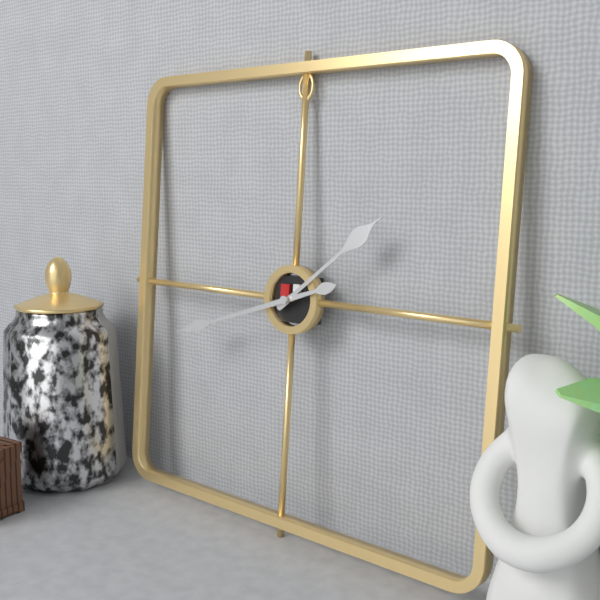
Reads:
h=1 m=42
